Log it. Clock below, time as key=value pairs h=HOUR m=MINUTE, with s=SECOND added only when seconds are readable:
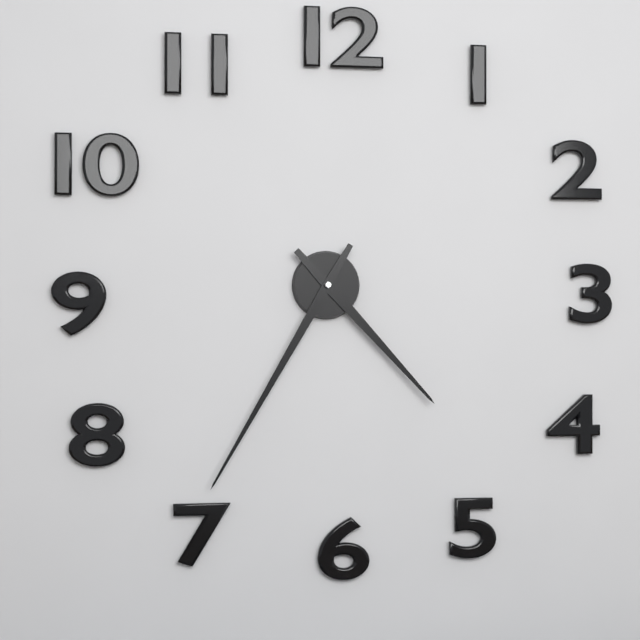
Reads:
h=4 m=35
